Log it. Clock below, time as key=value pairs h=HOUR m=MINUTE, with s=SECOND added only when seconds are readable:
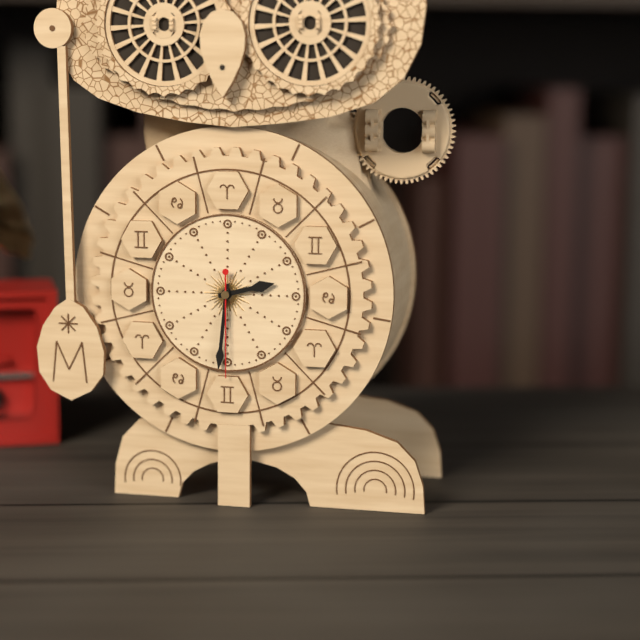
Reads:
h=2 m=31 s=30
